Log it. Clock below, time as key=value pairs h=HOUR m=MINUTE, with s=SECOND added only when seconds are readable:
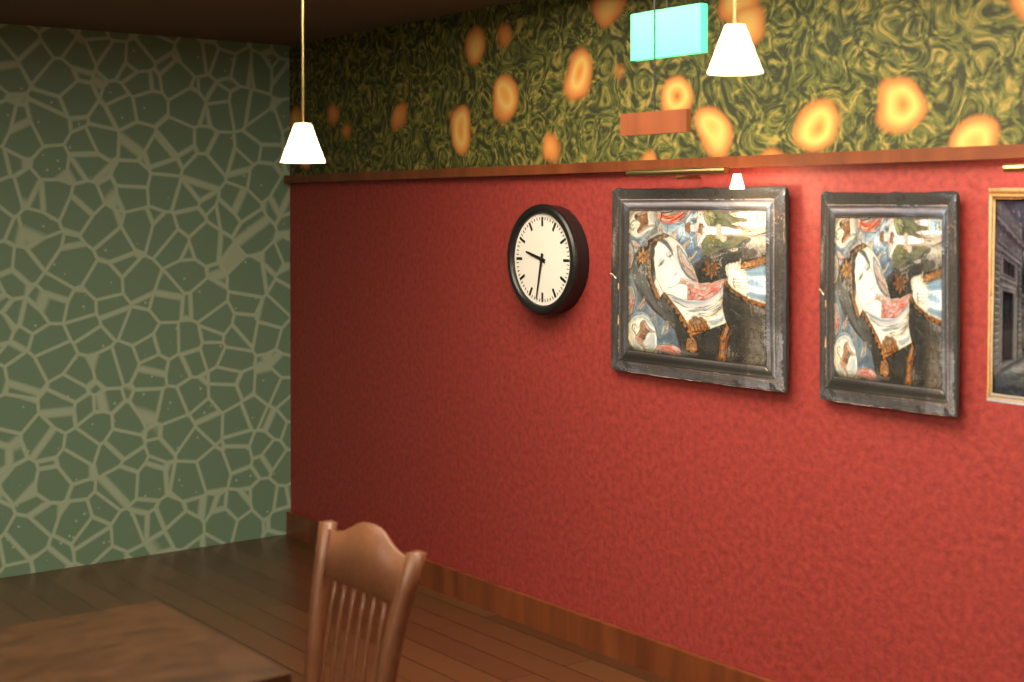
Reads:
h=9 m=32
